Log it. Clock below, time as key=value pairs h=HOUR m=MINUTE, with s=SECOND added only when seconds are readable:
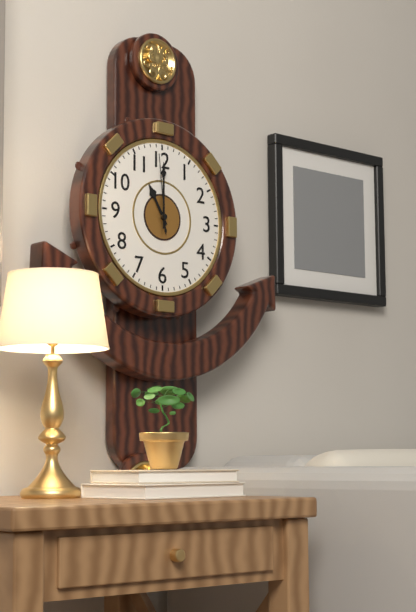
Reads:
h=11 m=0 s=59
